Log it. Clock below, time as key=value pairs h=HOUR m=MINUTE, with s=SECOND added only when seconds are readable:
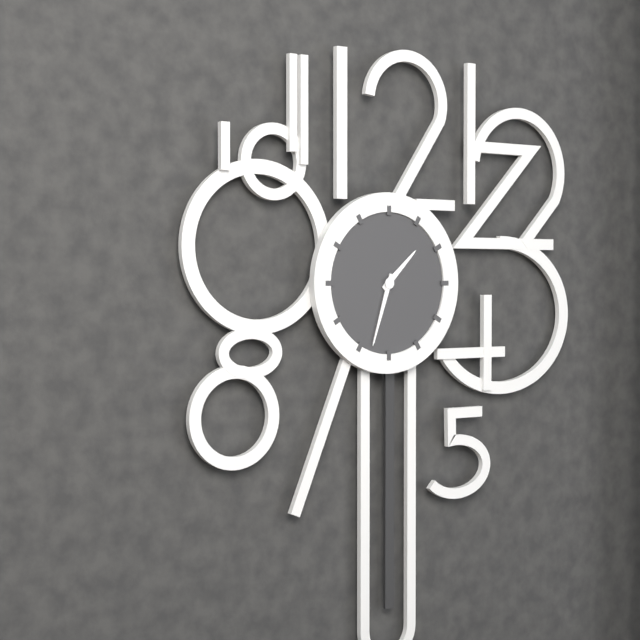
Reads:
h=1 m=33
